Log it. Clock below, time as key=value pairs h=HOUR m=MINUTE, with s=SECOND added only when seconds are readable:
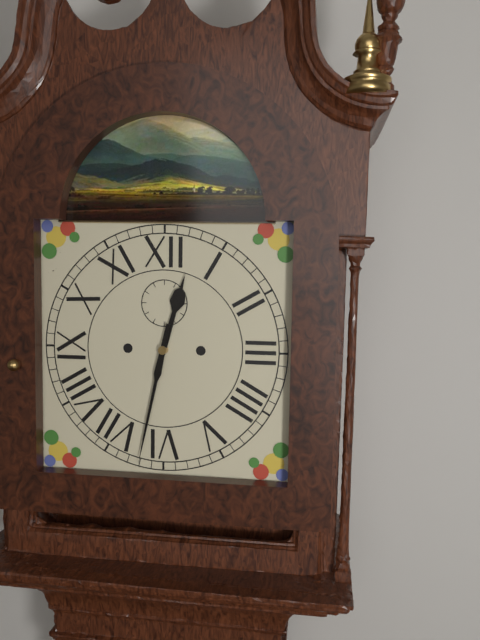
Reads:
h=12 m=32
